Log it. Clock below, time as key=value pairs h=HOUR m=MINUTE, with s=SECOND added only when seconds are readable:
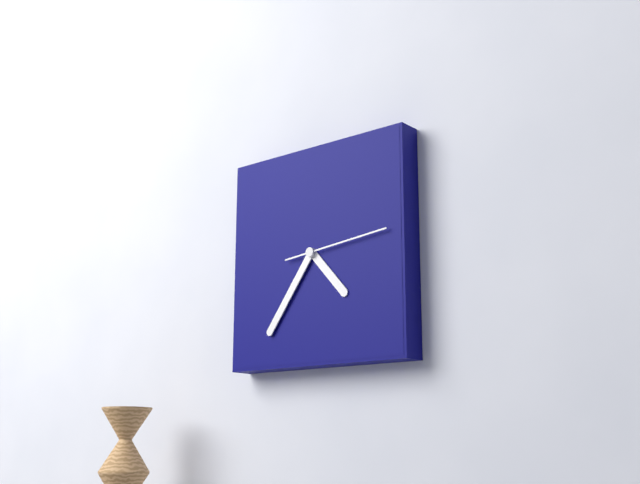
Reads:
h=4 m=36 s=14
